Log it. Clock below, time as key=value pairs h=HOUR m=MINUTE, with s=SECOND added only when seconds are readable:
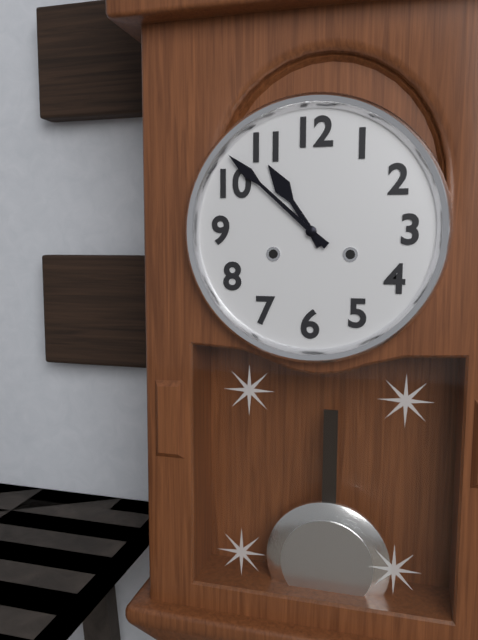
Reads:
h=10 m=52
